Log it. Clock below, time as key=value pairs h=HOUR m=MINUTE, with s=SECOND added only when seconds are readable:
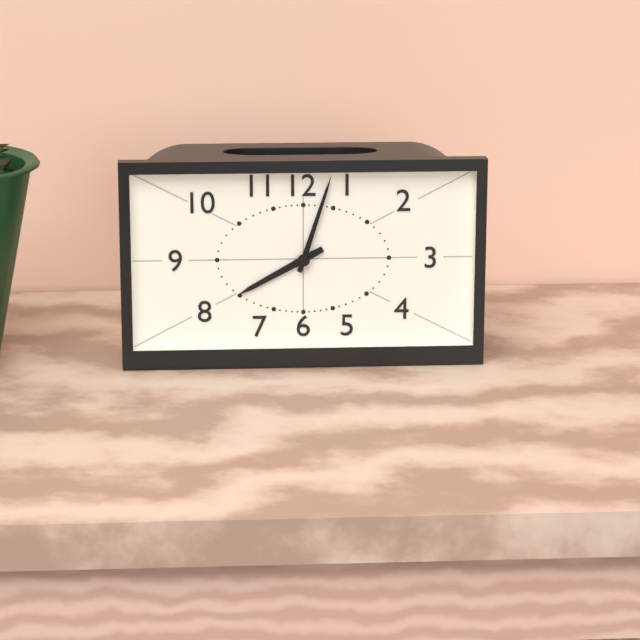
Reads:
h=8 m=3
